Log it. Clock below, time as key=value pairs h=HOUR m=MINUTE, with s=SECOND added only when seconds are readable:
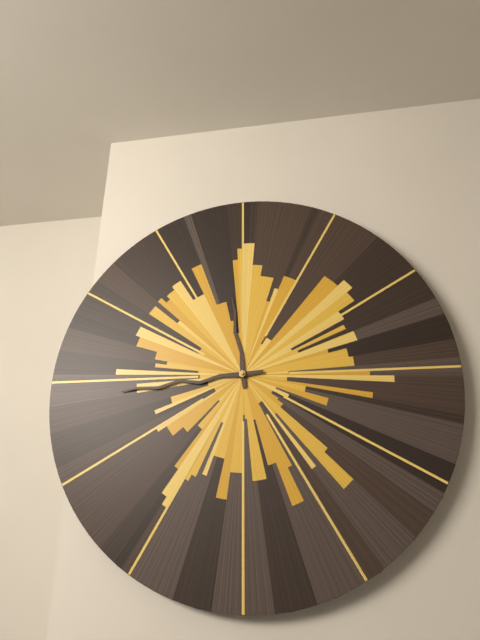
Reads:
h=11 m=44
